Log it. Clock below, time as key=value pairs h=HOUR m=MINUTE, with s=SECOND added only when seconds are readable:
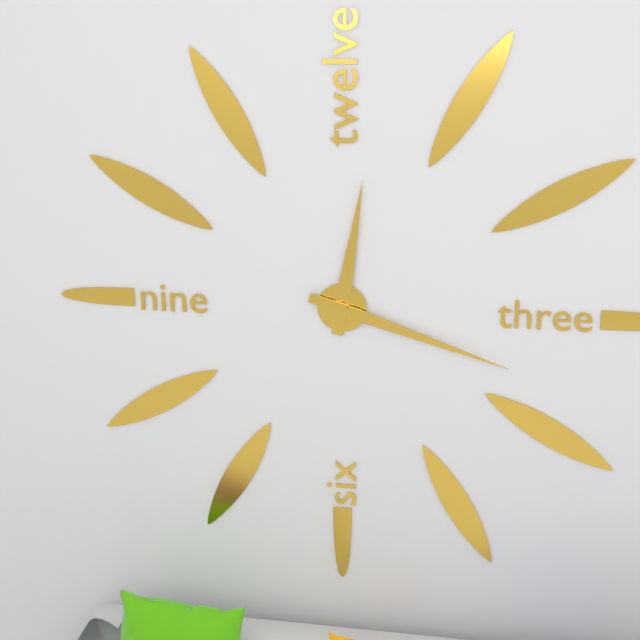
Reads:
h=12 m=18
